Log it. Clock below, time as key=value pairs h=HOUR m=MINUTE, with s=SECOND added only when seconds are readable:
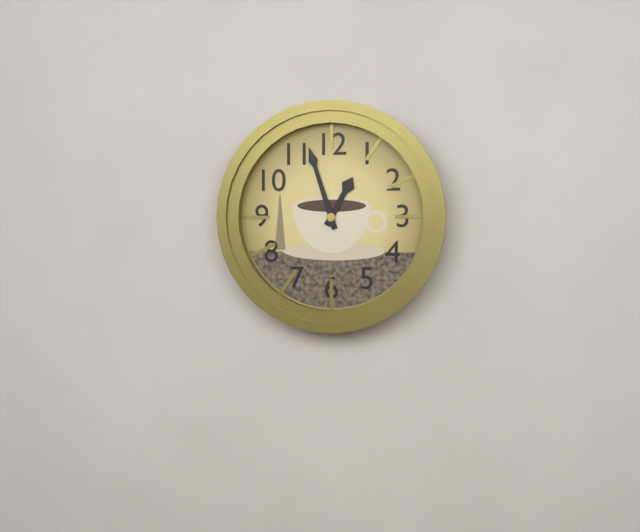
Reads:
h=12 m=57
